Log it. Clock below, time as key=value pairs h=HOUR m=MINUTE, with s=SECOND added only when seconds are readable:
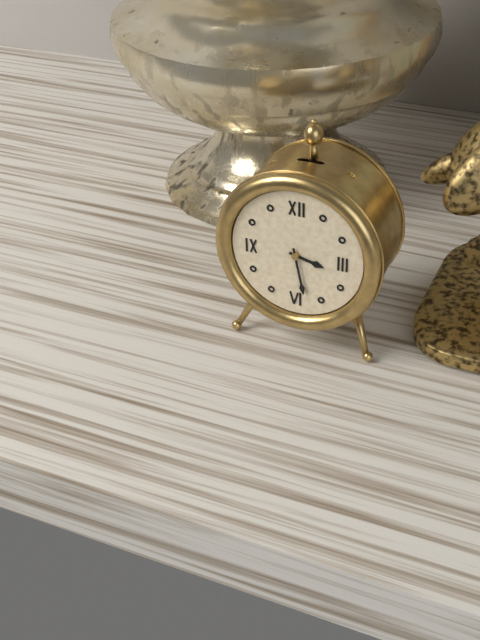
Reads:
h=3 m=28
